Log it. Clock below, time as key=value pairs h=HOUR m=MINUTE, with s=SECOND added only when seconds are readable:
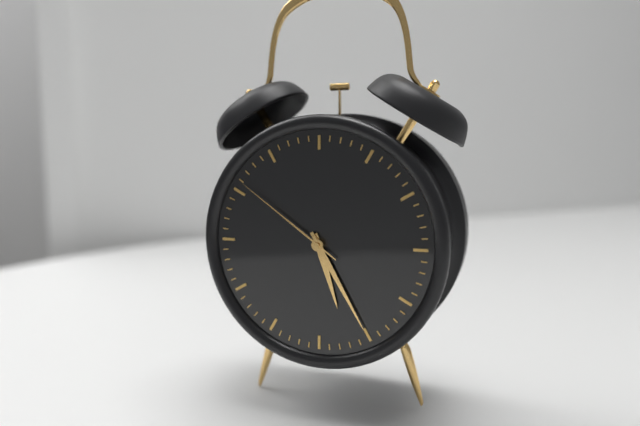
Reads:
h=5 m=25 s=51
